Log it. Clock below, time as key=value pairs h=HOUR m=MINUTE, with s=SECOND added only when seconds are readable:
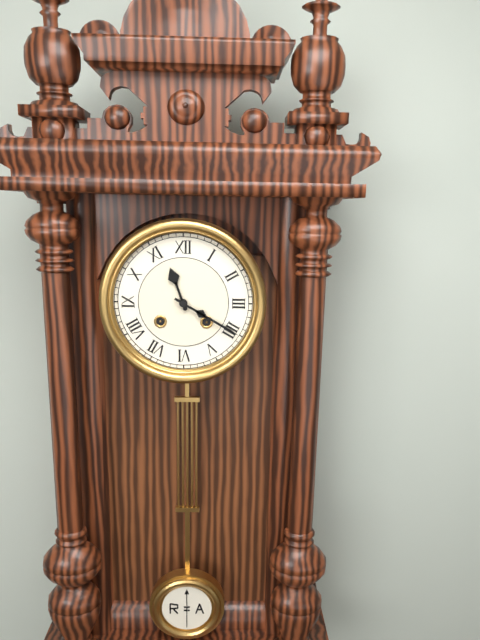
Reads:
h=11 m=20
